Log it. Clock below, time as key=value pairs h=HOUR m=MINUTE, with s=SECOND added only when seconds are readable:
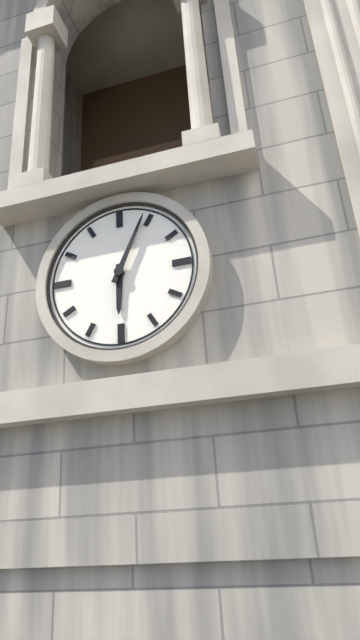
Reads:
h=6 m=4
